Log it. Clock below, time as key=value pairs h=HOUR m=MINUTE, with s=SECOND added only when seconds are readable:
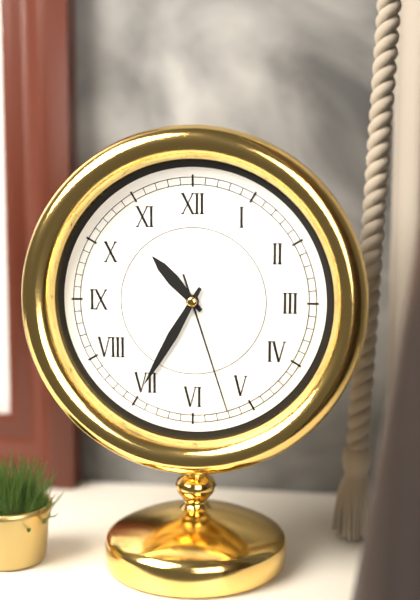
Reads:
h=10 m=35 s=27
